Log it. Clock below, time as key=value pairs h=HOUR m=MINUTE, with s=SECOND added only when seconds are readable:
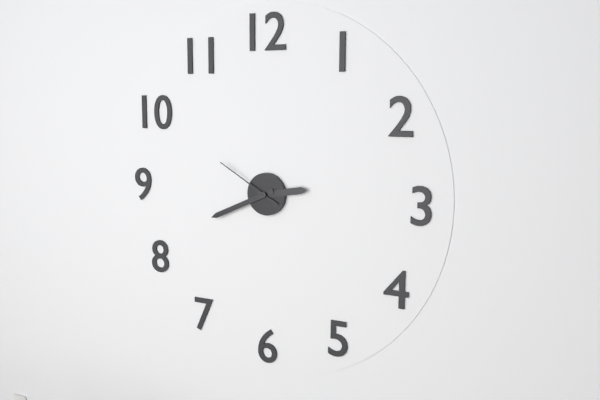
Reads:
h=2 m=41 s=50
